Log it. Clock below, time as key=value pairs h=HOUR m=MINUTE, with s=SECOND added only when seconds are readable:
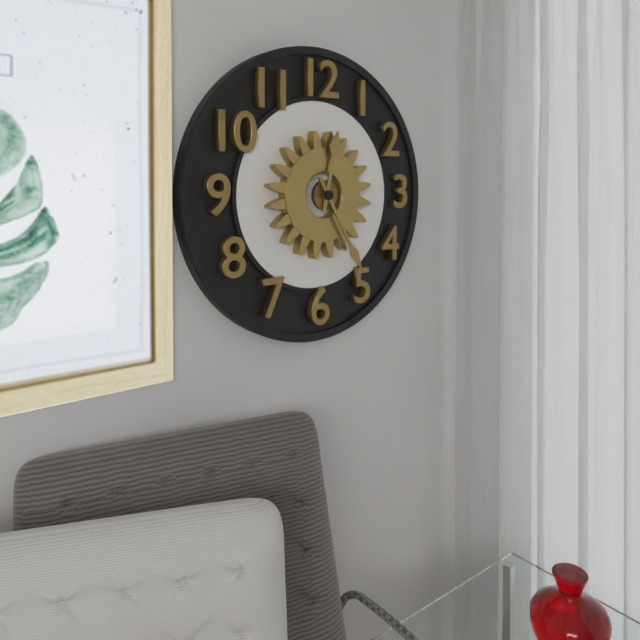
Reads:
h=12 m=25
